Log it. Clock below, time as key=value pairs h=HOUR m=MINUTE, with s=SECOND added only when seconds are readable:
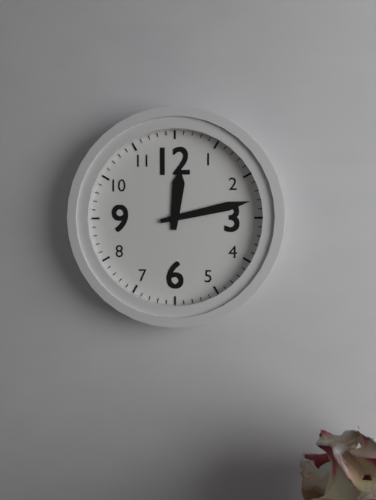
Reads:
h=12 m=13
